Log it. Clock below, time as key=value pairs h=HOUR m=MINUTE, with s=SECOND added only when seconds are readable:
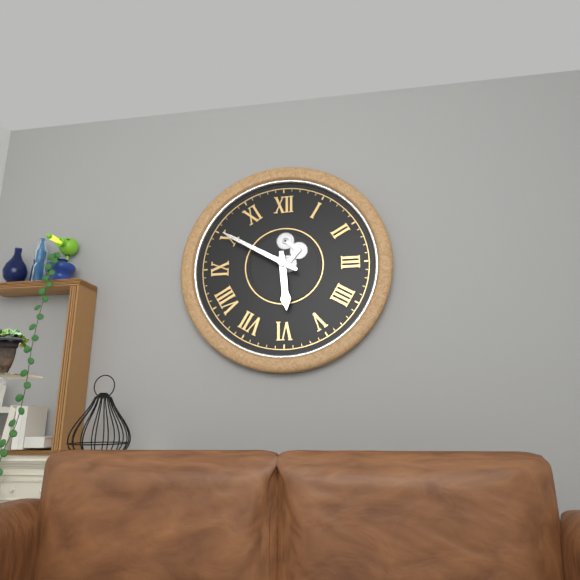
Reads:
h=5 m=50
